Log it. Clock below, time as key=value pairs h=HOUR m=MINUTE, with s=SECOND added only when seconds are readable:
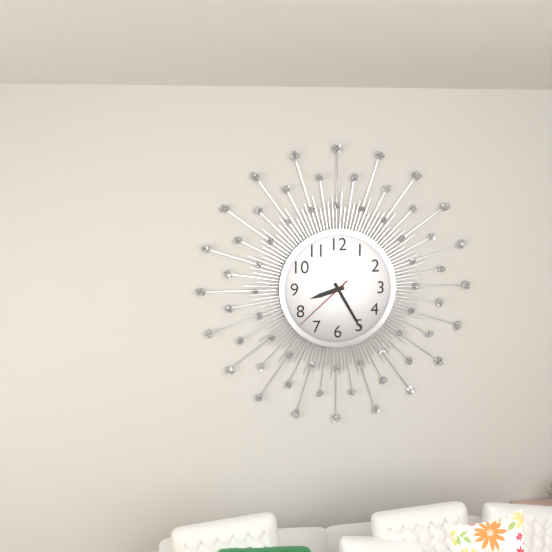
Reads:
h=8 m=25 s=38
